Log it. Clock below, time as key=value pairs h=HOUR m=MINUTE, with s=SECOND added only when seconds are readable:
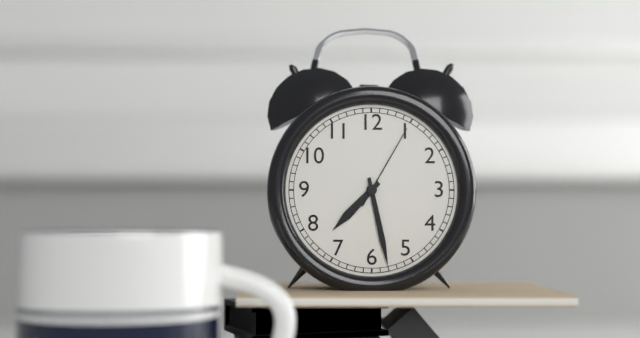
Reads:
h=7 m=28 s=5
